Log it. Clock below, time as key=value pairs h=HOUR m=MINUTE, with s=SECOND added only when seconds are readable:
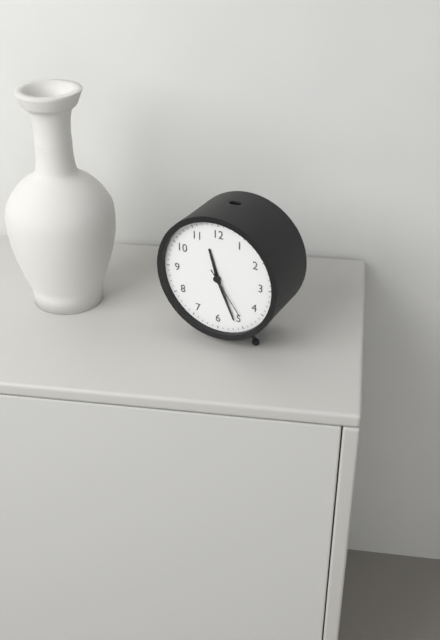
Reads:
h=11 m=26 s=24
